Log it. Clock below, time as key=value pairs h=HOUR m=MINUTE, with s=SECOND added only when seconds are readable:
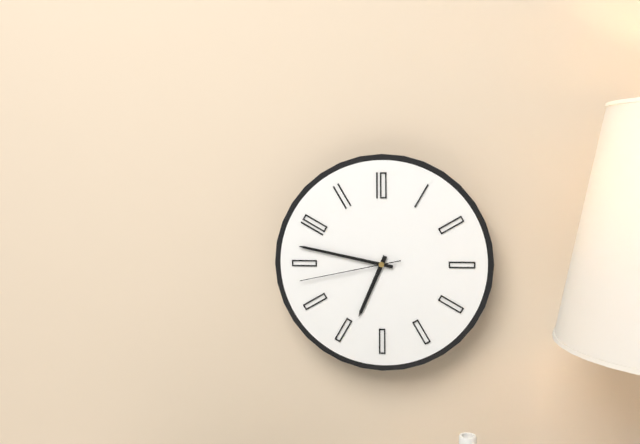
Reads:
h=6 m=47 s=43
